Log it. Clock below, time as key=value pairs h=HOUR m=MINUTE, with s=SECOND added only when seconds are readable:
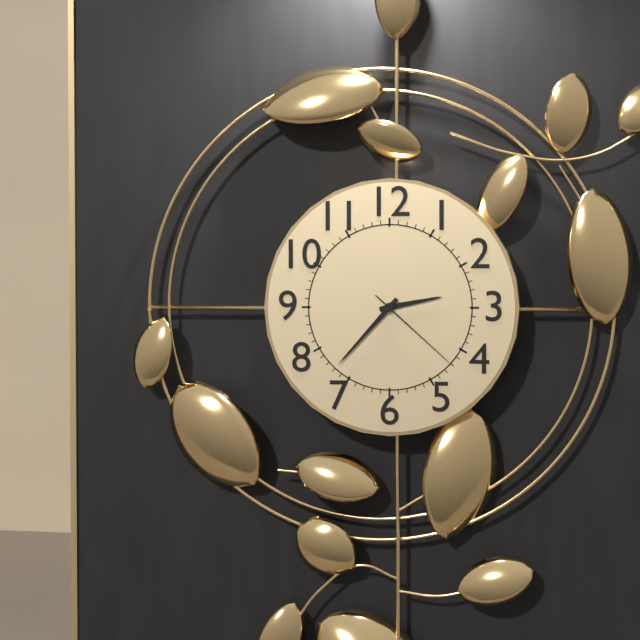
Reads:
h=2 m=37 s=22
